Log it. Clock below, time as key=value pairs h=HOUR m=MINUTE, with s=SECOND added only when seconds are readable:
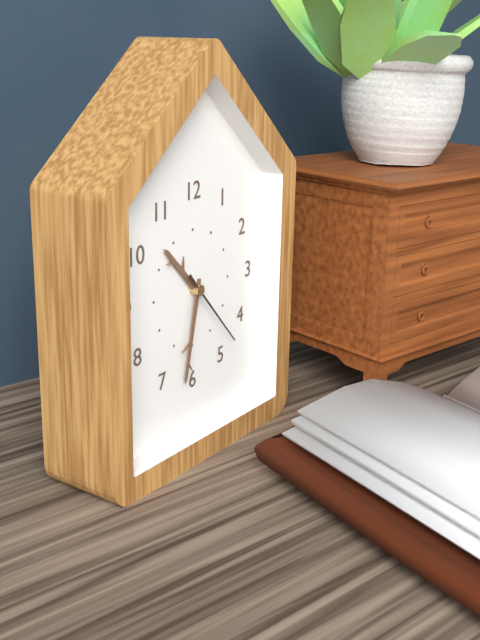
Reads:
h=10 m=32 s=23
